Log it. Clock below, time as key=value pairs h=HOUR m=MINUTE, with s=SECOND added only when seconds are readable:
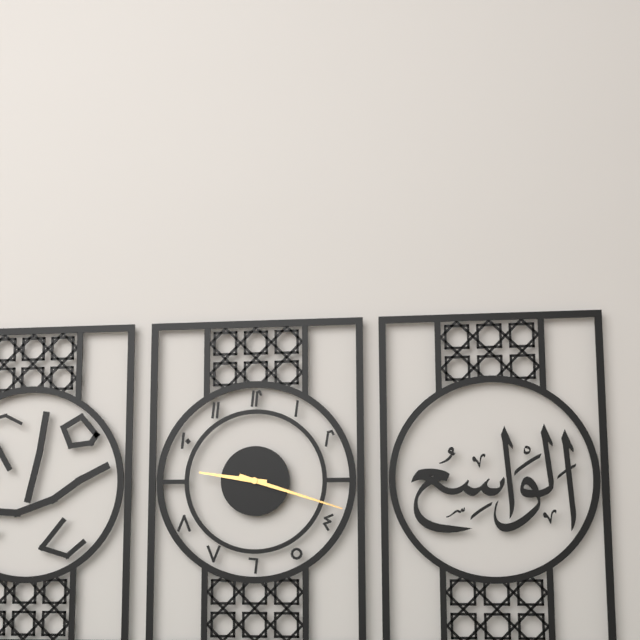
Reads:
h=9 m=18
